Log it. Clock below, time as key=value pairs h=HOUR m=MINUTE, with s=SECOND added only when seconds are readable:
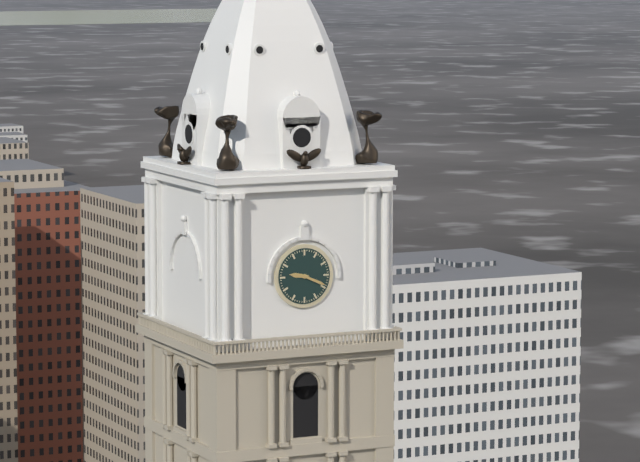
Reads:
h=9 m=19
